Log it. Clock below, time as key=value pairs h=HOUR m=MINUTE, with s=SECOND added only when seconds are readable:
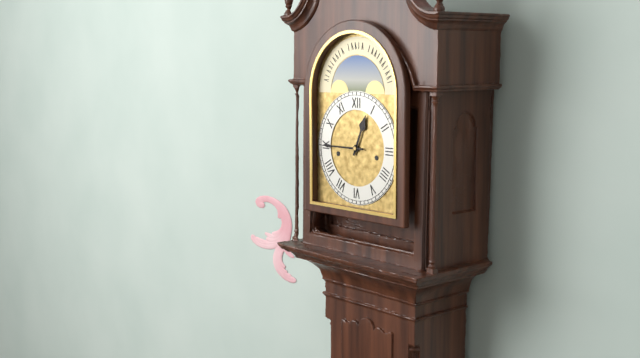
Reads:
h=12 m=45
